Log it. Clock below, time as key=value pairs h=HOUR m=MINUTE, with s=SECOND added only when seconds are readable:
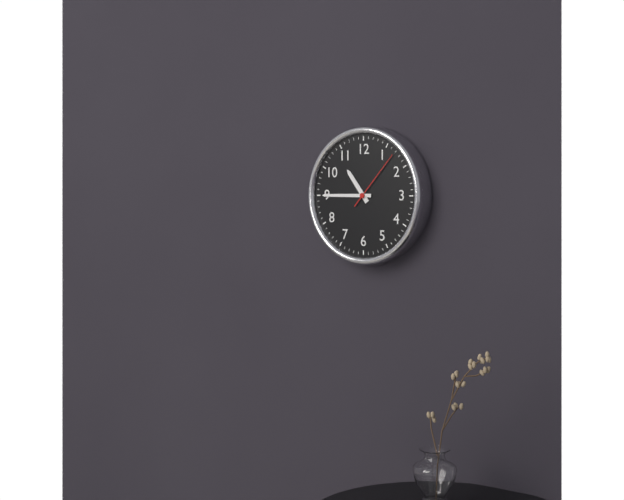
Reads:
h=10 m=45 s=7
